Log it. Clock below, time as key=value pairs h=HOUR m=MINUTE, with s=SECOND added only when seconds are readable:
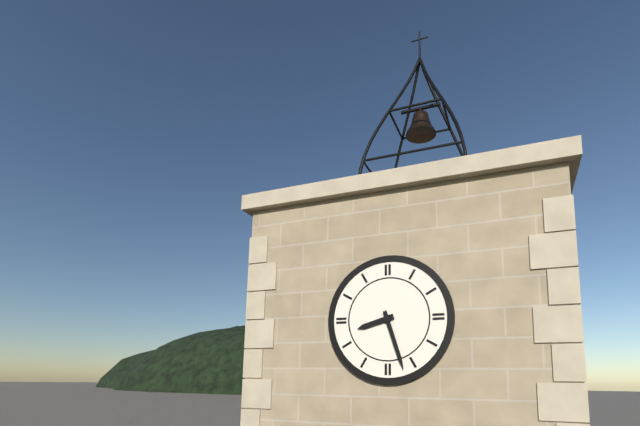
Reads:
h=8 m=27
